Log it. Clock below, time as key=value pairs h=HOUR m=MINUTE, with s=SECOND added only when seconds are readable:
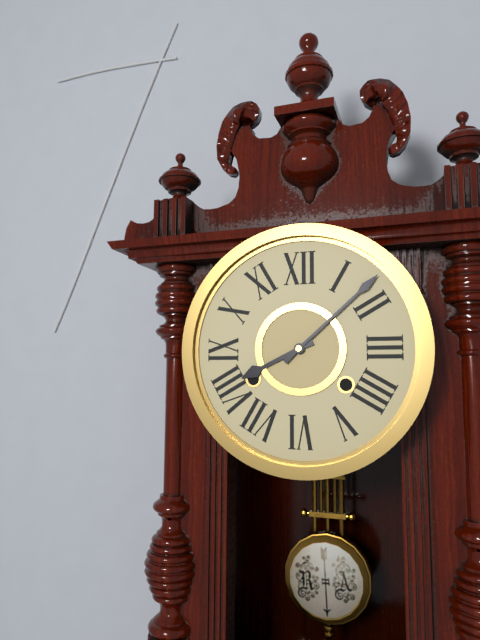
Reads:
h=8 m=8
